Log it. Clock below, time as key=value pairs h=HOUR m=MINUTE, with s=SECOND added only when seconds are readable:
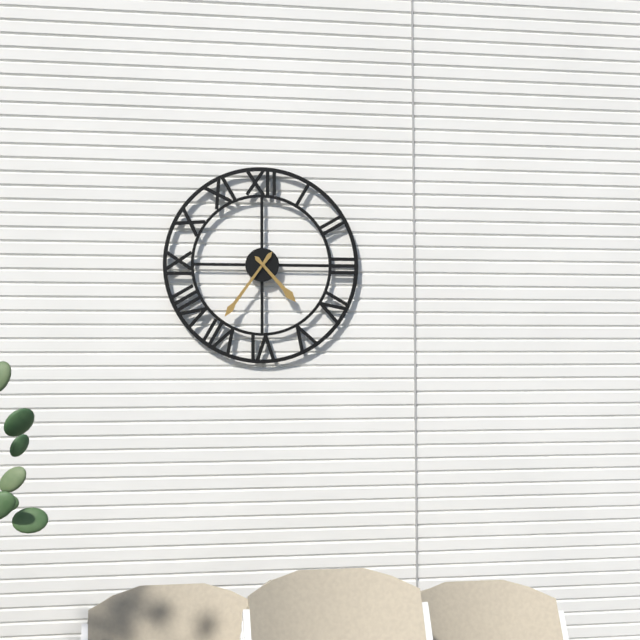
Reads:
h=4 m=36
